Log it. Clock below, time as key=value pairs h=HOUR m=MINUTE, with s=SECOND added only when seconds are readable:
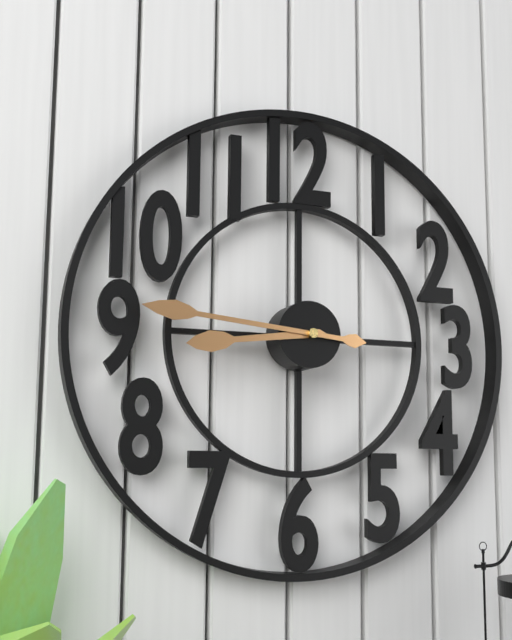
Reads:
h=8 m=46
